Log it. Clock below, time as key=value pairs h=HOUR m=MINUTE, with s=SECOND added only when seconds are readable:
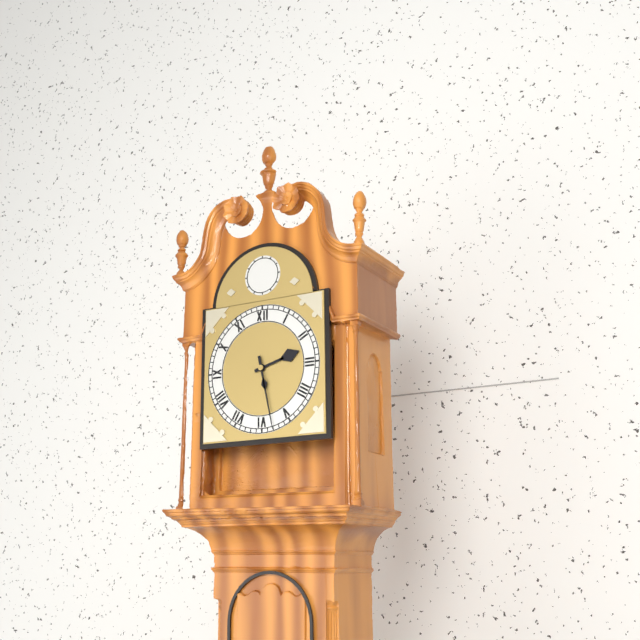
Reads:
h=2 m=28
